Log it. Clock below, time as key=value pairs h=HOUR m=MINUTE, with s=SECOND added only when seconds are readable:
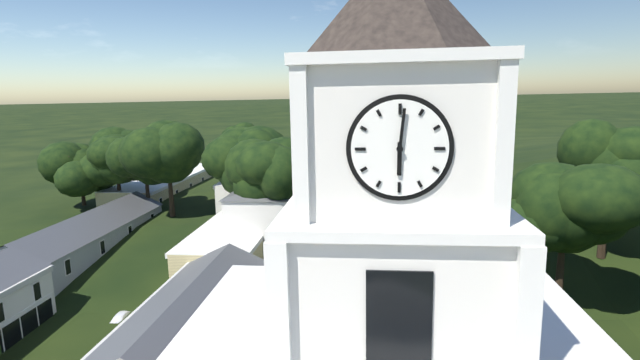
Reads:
h=6 m=1
